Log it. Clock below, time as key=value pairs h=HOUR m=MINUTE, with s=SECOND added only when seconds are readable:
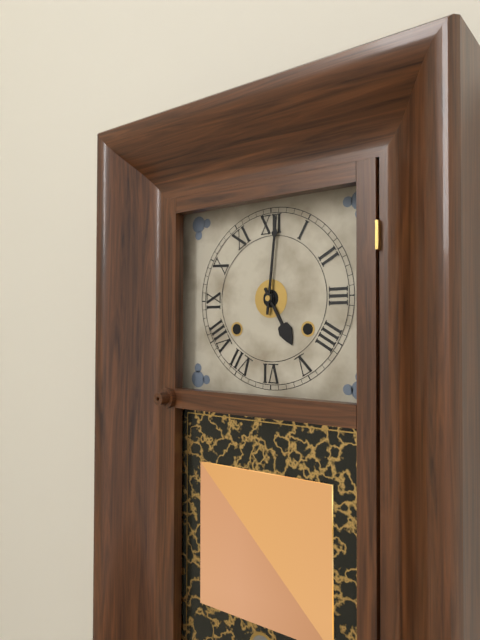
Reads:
h=5 m=1
